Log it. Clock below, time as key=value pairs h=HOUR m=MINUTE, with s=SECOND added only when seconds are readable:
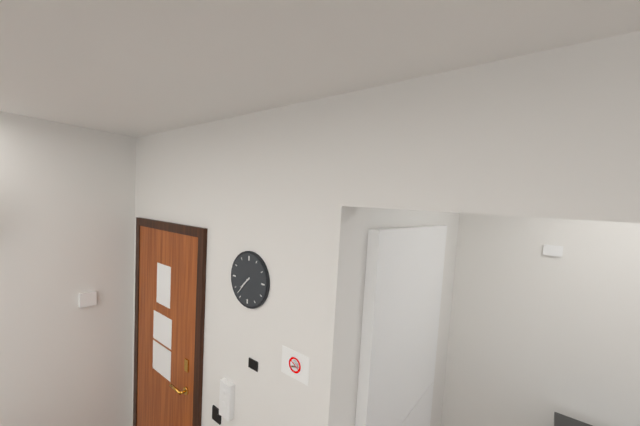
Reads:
h=7 m=37
